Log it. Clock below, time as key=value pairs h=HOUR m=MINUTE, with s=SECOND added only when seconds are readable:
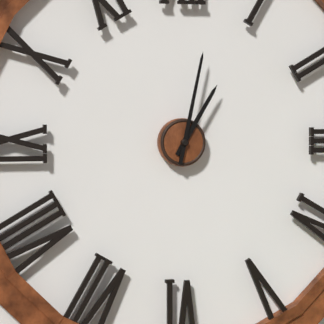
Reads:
h=1 m=2
